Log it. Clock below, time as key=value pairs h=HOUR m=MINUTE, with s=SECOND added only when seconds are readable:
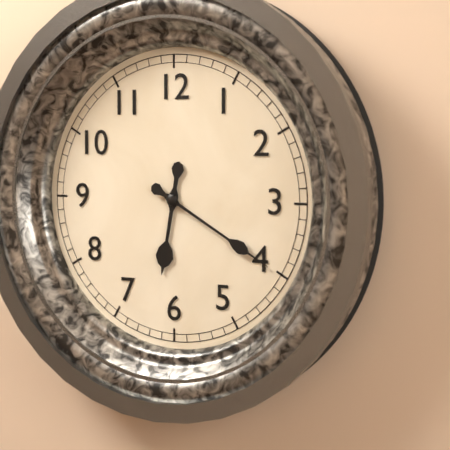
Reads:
h=6 m=20
